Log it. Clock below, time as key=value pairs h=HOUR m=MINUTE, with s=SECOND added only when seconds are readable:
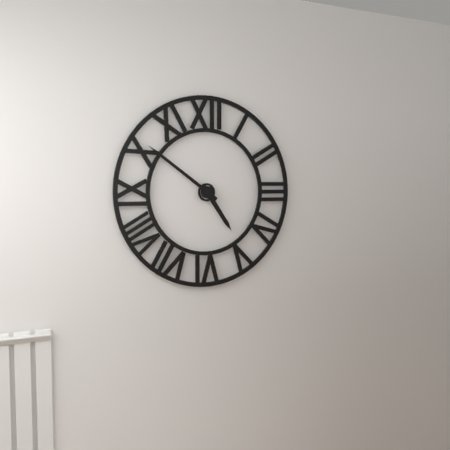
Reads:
h=4 m=51
